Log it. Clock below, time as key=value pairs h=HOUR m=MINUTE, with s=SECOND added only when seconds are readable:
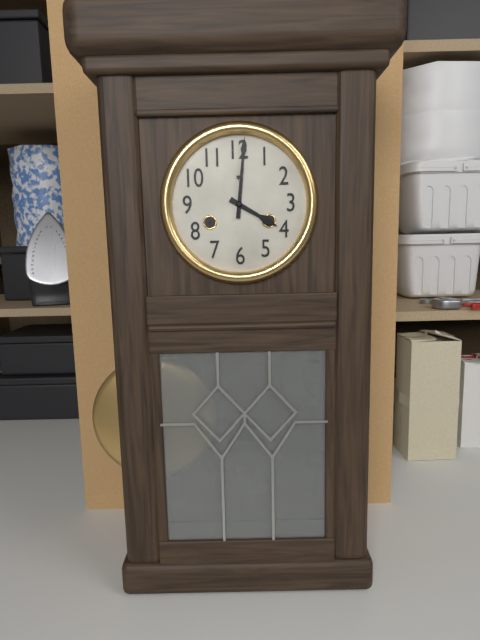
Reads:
h=4 m=1
